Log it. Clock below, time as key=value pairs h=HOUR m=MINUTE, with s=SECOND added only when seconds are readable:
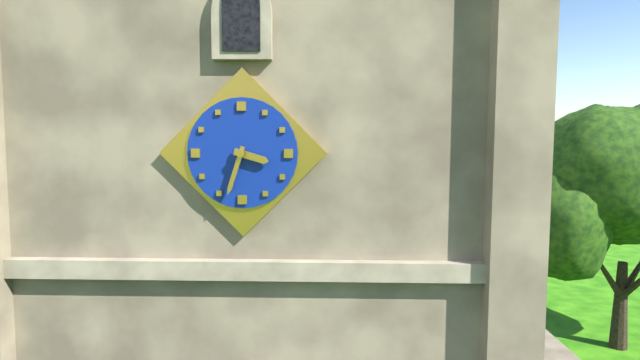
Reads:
h=3 m=33
